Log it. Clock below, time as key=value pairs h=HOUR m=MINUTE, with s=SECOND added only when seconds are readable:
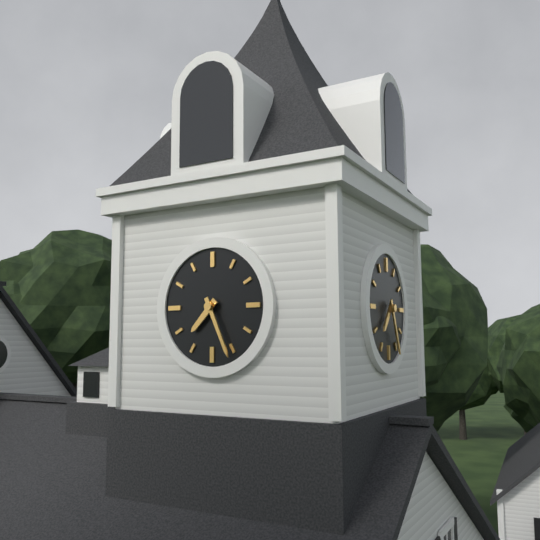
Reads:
h=7 m=26
